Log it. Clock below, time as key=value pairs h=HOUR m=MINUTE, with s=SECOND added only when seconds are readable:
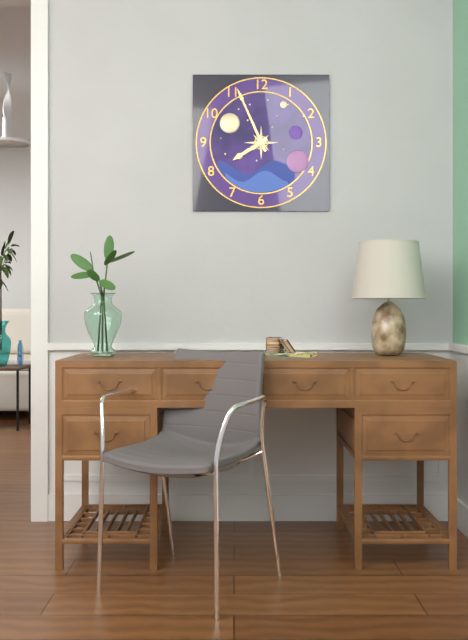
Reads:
h=7 m=56
